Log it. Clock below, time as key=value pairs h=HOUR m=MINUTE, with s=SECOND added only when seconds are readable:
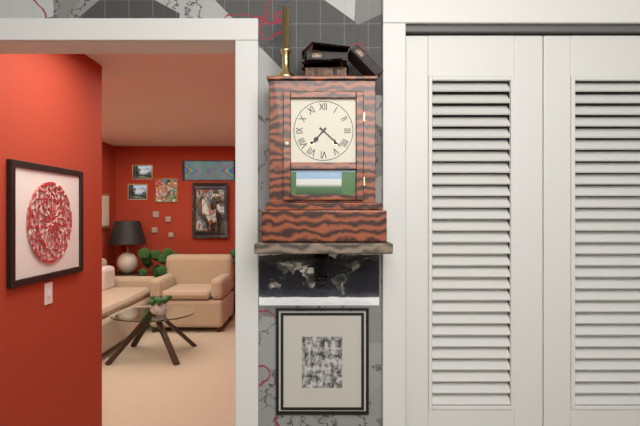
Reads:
h=7 m=22
